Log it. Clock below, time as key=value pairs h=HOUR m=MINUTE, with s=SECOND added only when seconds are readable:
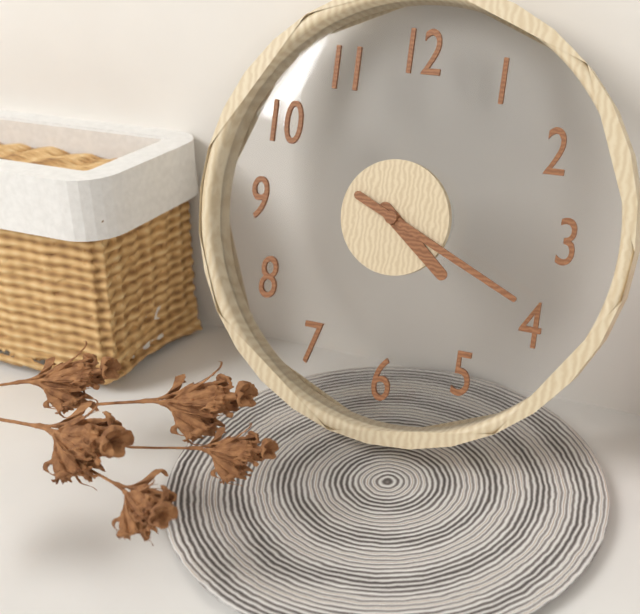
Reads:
h=4 m=19
